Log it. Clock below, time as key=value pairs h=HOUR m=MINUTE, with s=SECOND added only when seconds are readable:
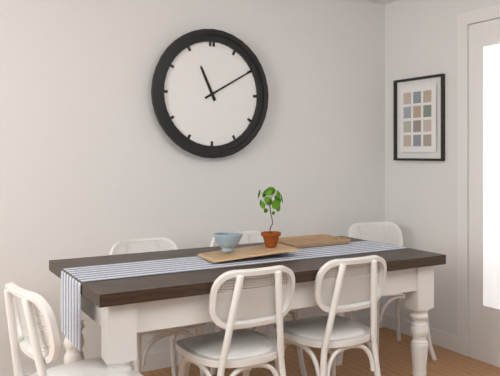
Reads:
h=11 m=10
